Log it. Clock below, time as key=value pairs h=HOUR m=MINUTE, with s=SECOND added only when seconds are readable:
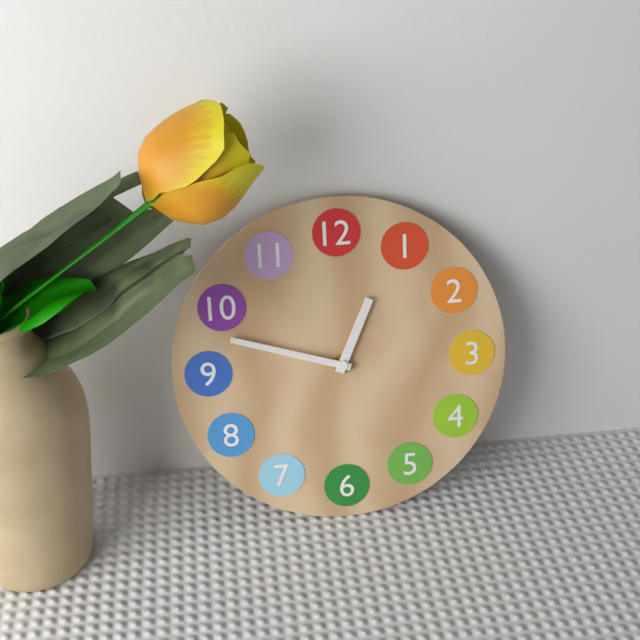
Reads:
h=12 m=48
